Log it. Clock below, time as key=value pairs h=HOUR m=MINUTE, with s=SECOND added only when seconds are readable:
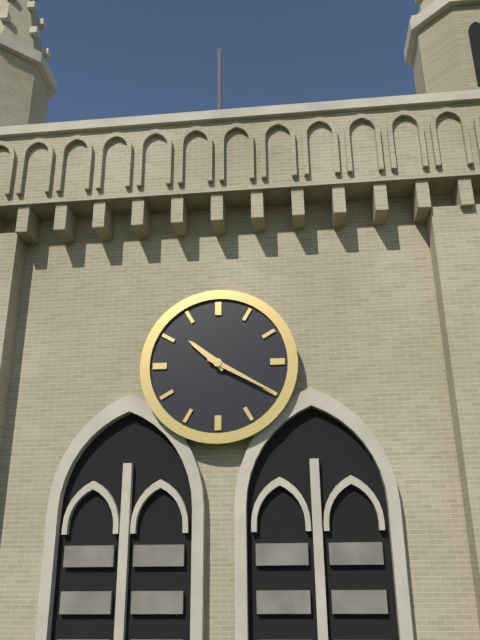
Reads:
h=10 m=20
